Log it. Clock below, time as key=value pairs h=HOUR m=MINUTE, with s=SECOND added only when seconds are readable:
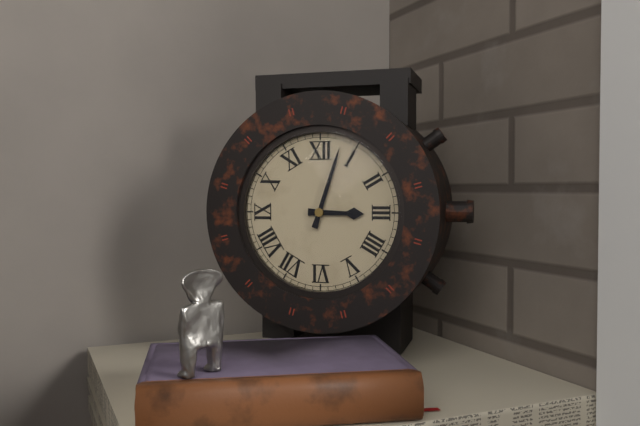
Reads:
h=3 m=3
